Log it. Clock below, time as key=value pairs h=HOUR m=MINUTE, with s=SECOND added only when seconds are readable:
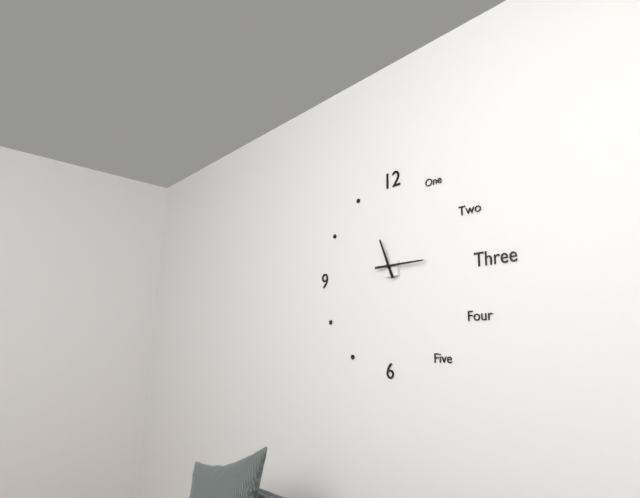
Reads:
h=11 m=15
